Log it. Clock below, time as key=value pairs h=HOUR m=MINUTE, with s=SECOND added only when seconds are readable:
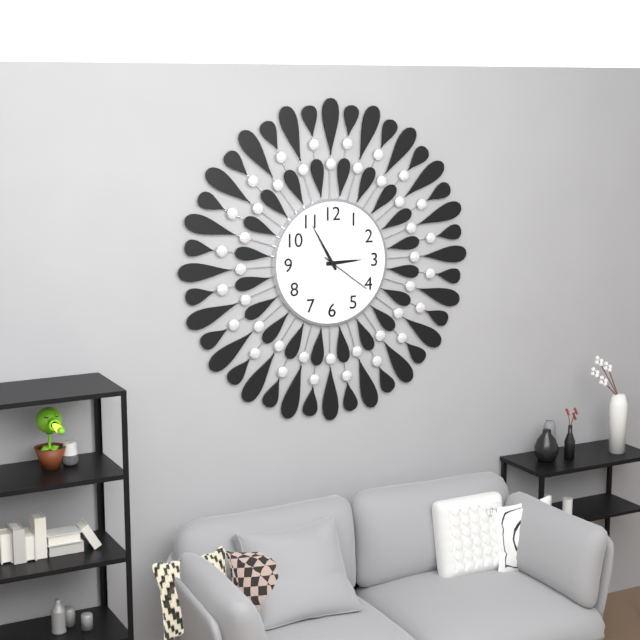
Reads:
h=2 m=55 s=21
